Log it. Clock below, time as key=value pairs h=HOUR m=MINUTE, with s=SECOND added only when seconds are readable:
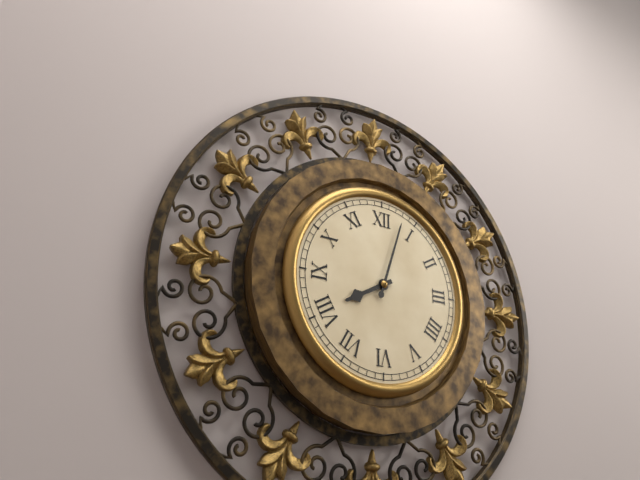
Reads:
h=8 m=3
